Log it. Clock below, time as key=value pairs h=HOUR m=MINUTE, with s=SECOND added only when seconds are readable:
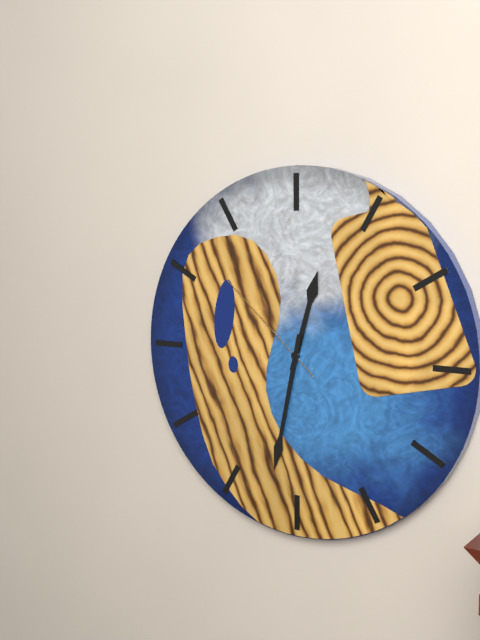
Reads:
h=12 m=32 s=52
